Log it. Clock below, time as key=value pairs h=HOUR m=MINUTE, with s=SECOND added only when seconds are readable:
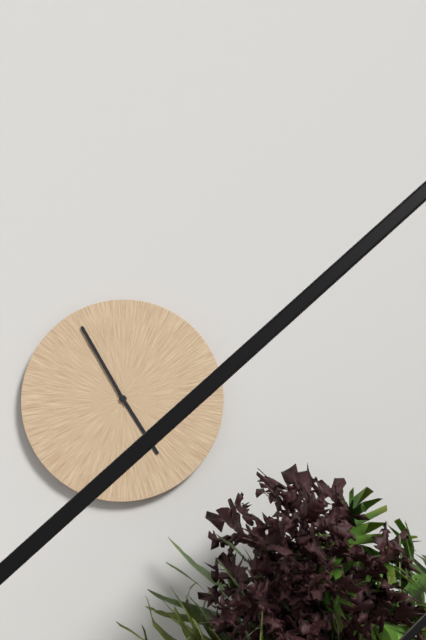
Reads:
h=4 m=55
